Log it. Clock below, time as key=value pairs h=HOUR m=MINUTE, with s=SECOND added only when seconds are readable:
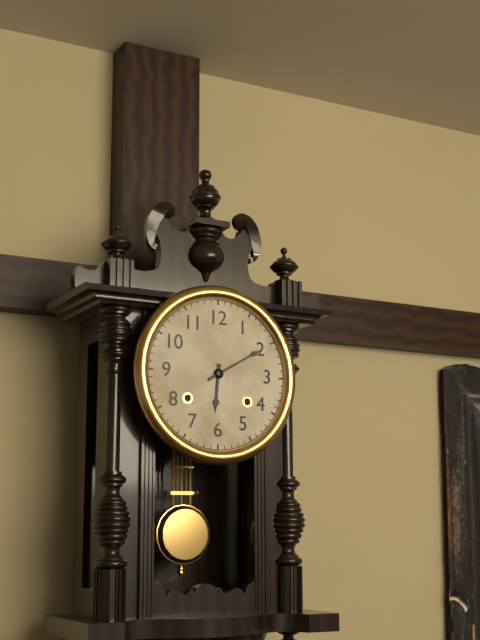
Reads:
h=6 m=10
